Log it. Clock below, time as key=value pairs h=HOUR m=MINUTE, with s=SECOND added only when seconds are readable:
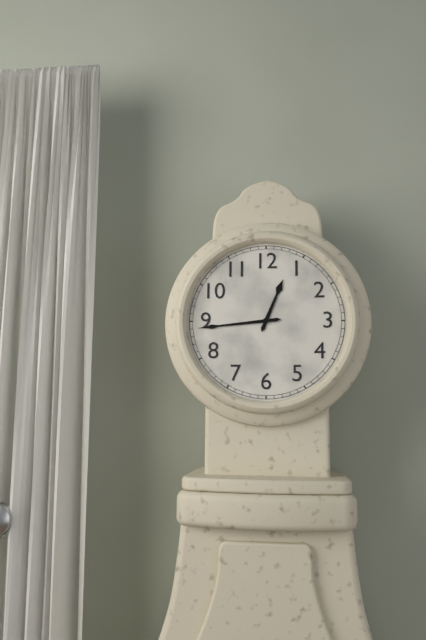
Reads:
h=12 m=44
